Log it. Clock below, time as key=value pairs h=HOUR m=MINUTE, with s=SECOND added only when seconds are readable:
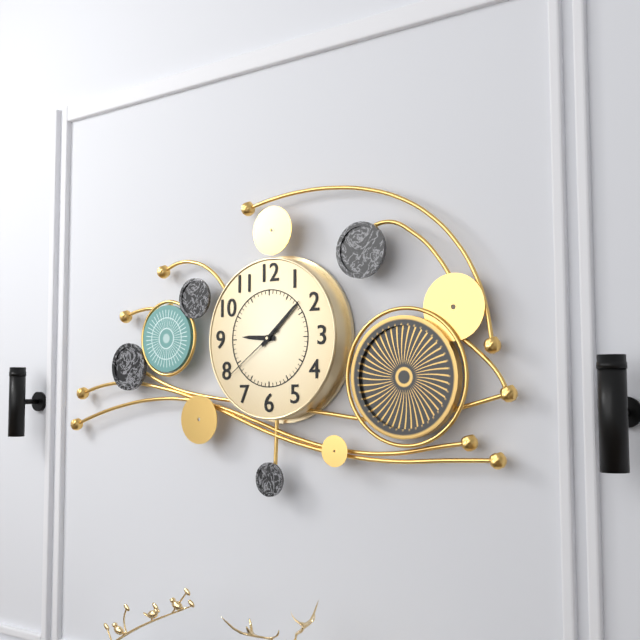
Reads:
h=9 m=8 s=39
